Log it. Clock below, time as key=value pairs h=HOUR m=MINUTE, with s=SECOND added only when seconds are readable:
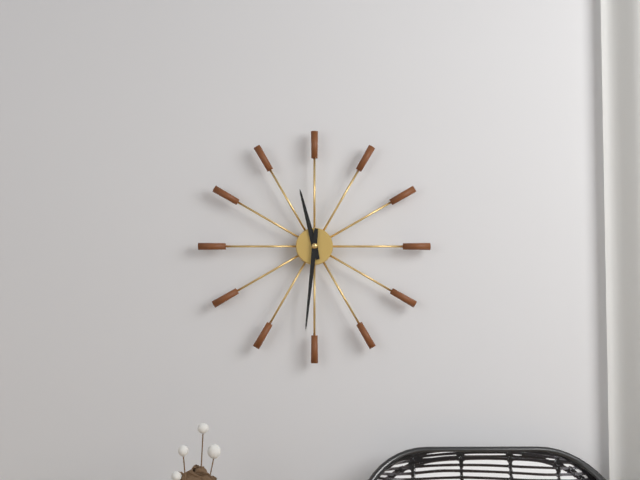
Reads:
h=11 m=31
